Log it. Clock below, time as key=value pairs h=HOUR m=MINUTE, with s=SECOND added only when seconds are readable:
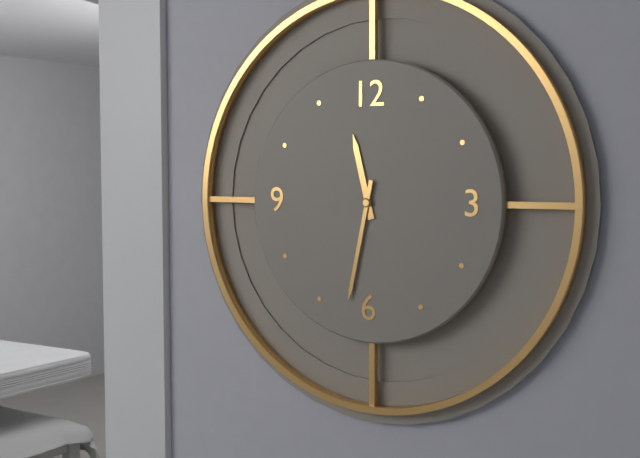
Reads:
h=11 m=32
